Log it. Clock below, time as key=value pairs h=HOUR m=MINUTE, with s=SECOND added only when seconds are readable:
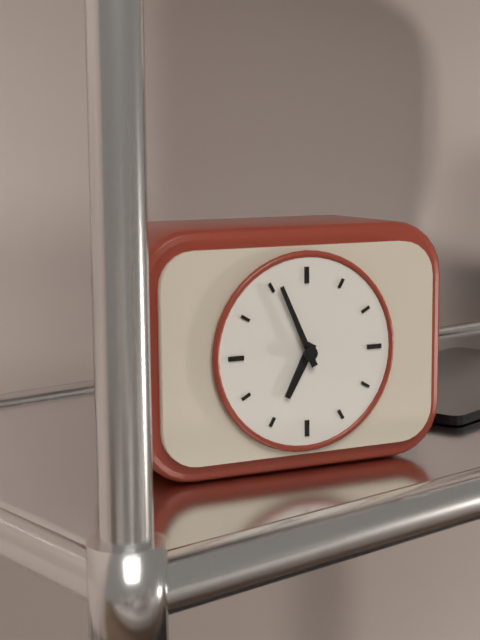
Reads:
h=6 m=56
